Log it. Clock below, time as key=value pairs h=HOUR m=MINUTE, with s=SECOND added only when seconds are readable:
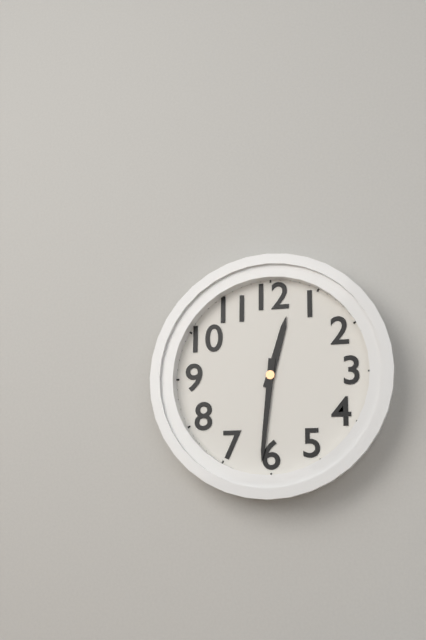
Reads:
h=12 m=31
